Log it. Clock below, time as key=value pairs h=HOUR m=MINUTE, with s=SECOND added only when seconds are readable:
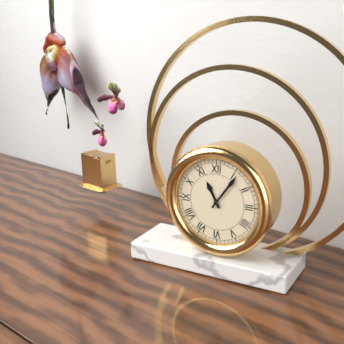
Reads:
h=11 m=6
